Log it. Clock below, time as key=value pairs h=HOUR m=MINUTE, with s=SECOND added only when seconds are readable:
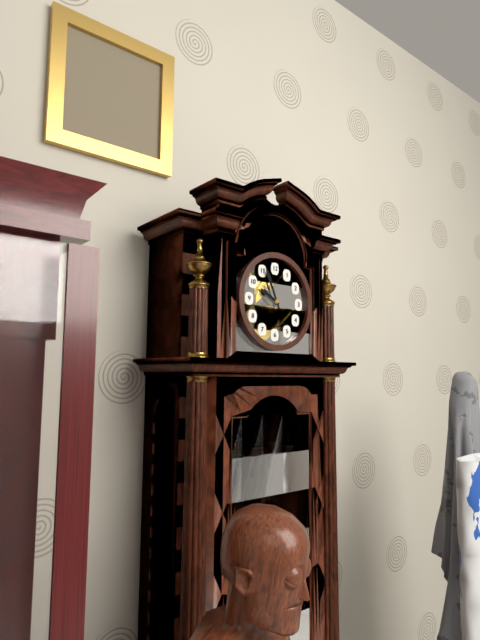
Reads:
h=9 m=56
